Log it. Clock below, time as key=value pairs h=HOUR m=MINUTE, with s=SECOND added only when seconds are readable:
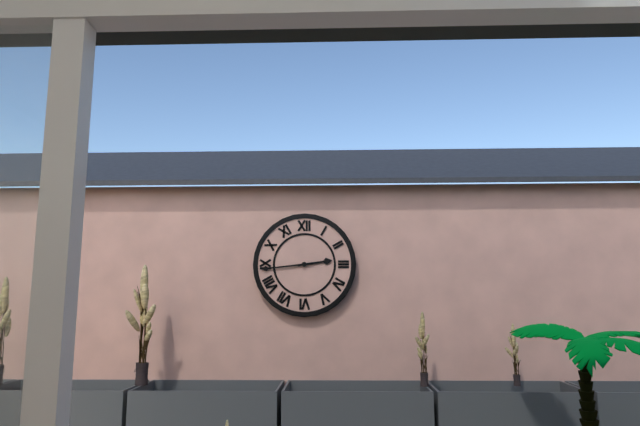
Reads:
h=2 m=44
